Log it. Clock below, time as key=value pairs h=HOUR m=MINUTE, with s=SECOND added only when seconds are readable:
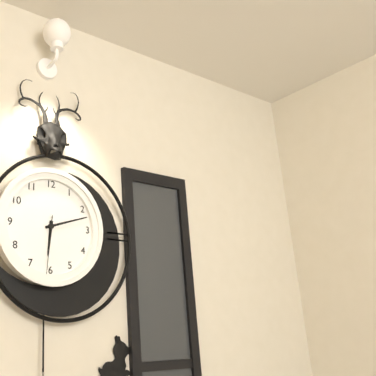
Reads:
h=6 m=12 s=31
